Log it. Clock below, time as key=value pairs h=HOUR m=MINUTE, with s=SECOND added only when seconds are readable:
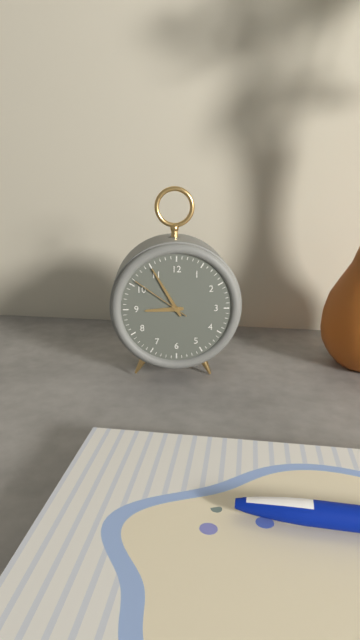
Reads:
h=8 m=55 s=51
